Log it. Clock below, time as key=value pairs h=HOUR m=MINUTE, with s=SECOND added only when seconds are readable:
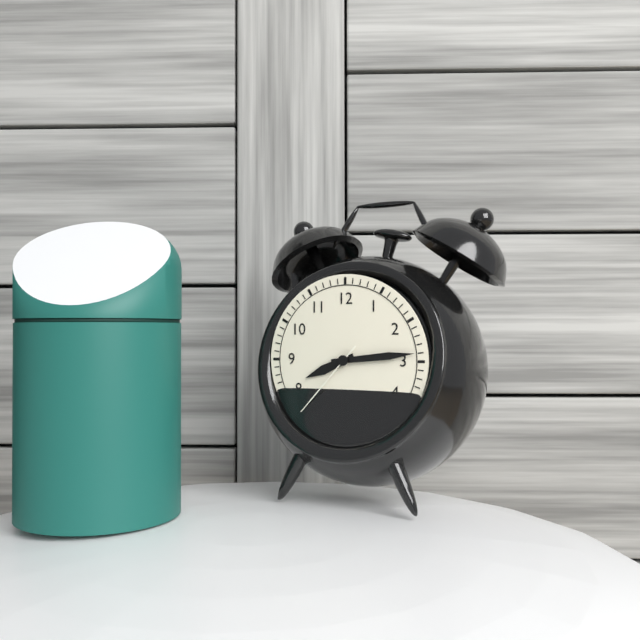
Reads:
h=8 m=14 s=37
